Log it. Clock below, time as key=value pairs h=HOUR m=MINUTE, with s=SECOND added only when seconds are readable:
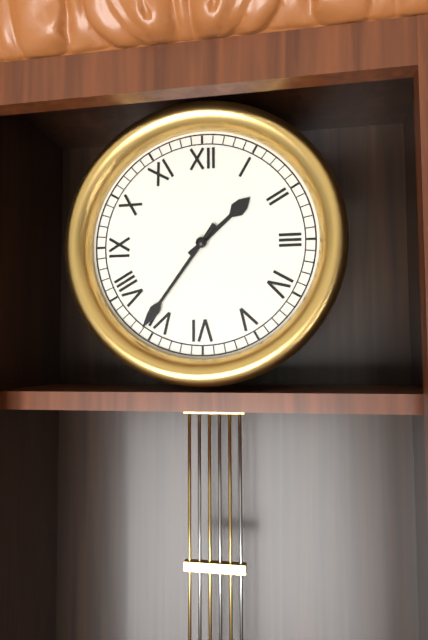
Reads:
h=1 m=36
